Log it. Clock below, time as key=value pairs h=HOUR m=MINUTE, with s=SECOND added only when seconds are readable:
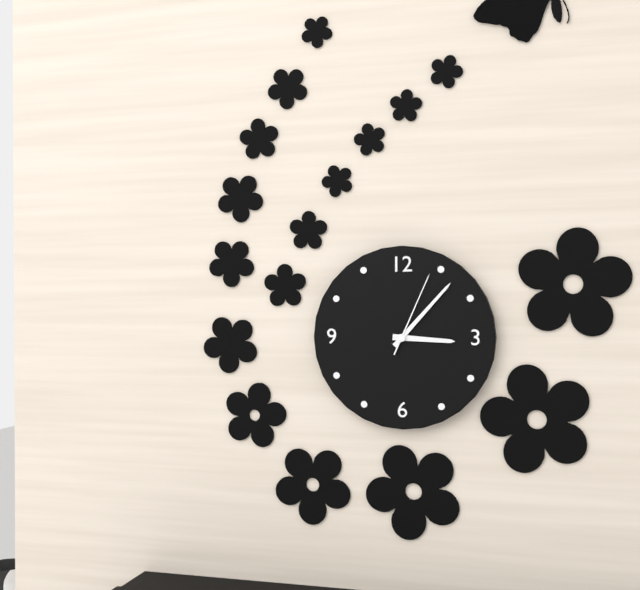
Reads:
h=3 m=7 s=4
